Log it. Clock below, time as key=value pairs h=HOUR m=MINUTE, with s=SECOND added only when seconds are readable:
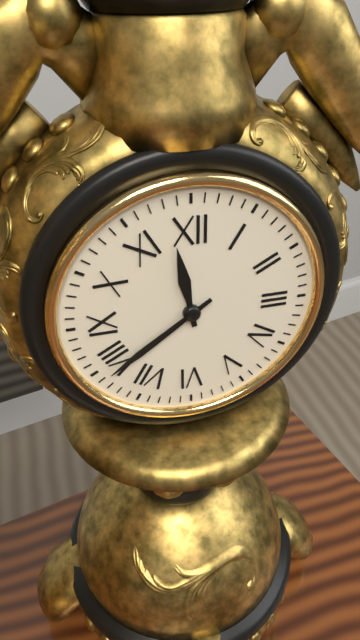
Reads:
h=11 m=39
